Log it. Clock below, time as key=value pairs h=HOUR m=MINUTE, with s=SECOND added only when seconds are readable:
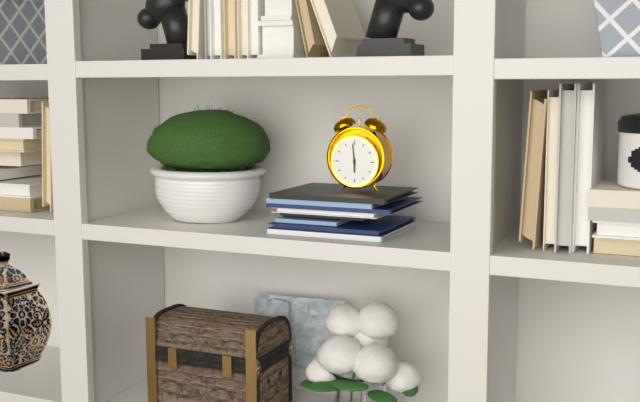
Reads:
h=5 m=59
